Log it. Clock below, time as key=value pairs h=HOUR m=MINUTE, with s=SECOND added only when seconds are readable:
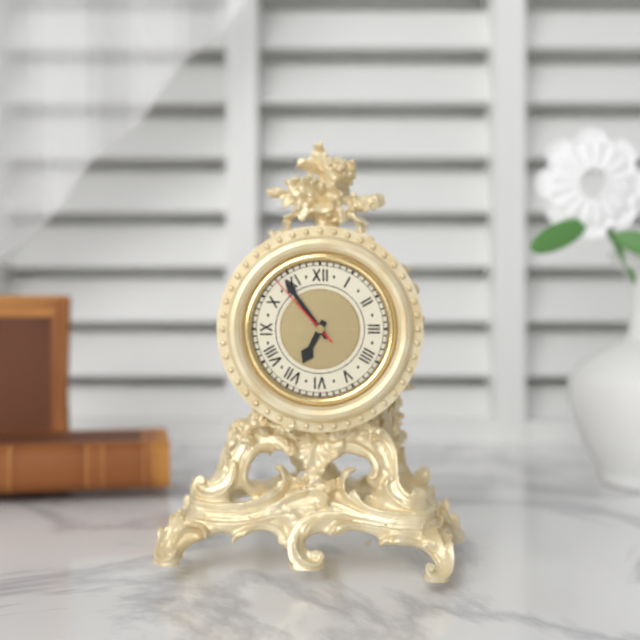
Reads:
h=6 m=54 s=53
